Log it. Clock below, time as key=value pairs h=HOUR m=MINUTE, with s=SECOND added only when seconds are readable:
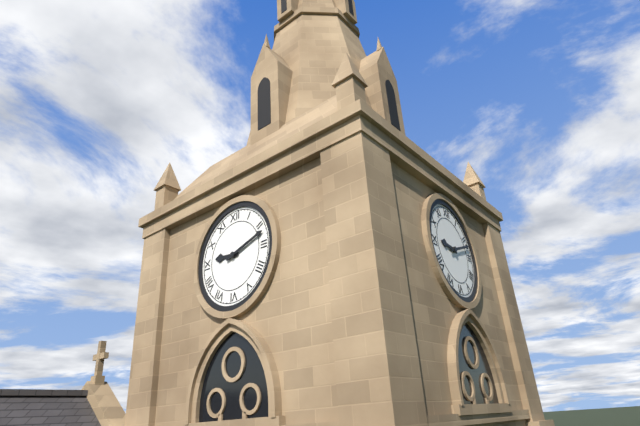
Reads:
h=9 m=12
